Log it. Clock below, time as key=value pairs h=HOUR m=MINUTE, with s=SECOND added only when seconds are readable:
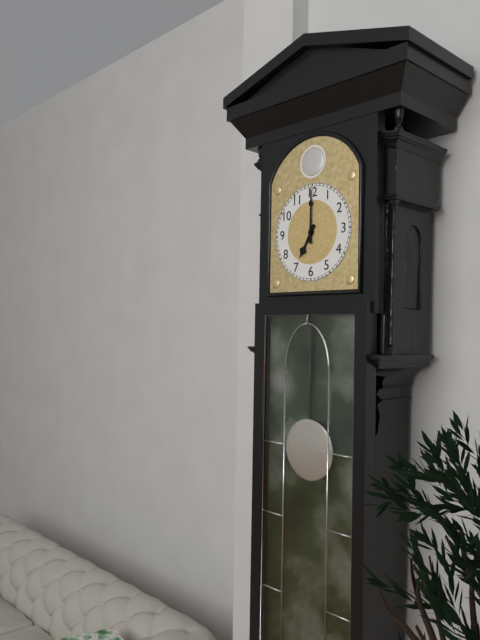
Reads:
h=7 m=0
